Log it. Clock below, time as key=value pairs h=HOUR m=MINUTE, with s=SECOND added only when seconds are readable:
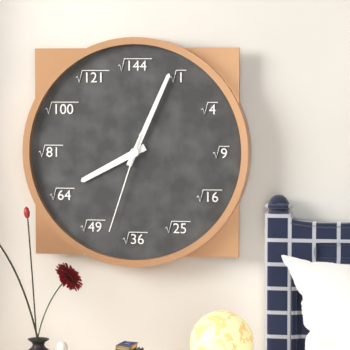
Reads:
h=8 m=4 s=33
